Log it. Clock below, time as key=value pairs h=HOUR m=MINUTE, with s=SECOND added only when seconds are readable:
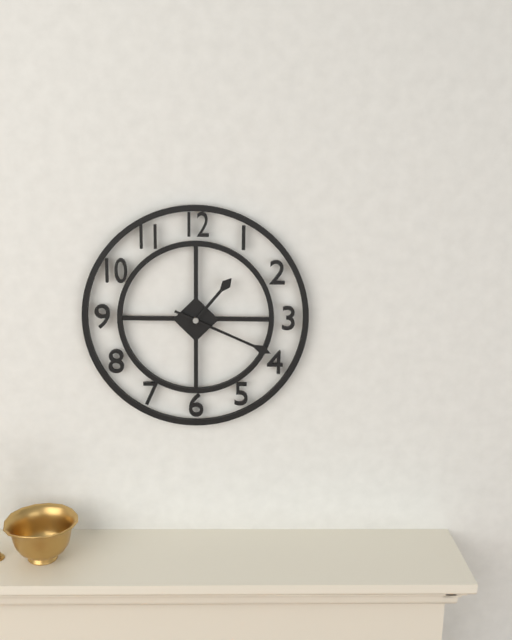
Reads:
h=1 m=19
